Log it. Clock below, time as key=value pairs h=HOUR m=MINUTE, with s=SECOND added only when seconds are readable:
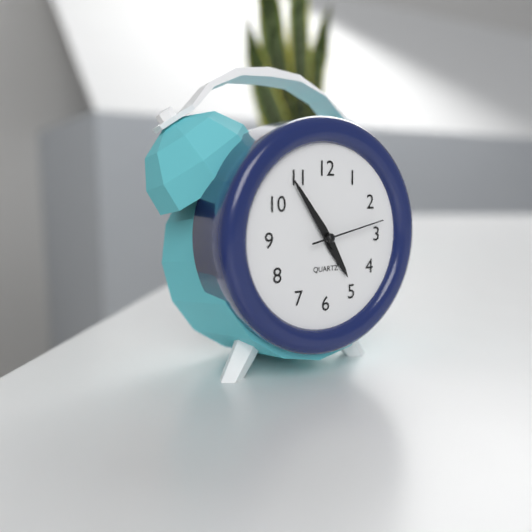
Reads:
h=4 m=54 s=13
